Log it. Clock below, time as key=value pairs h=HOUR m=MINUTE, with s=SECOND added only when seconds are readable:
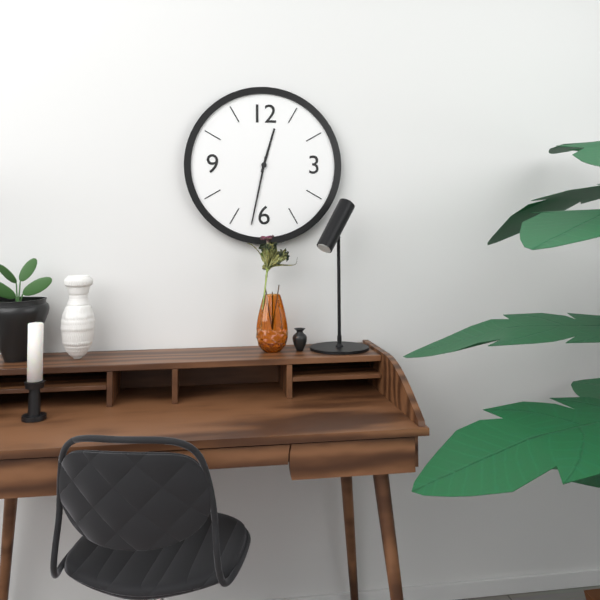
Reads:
h=12 m=32
